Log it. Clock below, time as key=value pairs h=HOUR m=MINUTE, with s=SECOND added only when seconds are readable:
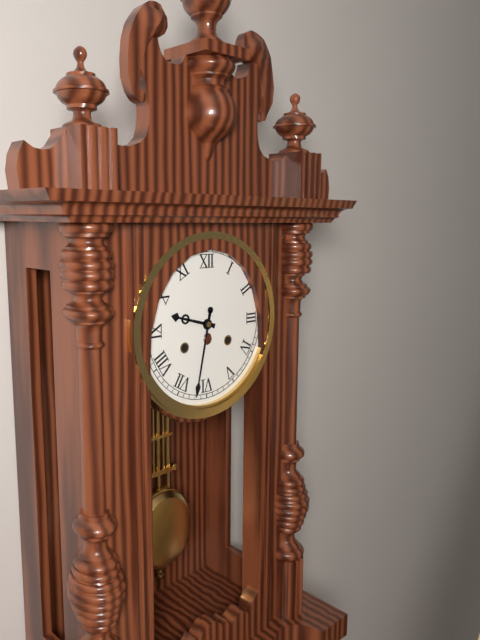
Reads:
h=9 m=32
